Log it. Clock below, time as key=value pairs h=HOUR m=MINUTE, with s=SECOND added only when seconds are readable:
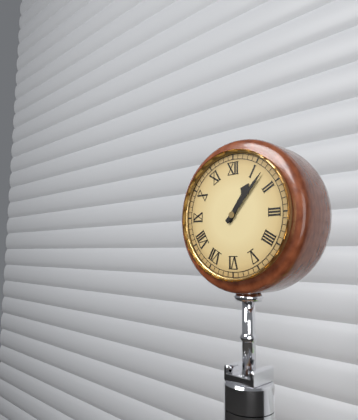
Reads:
h=1 m=7
